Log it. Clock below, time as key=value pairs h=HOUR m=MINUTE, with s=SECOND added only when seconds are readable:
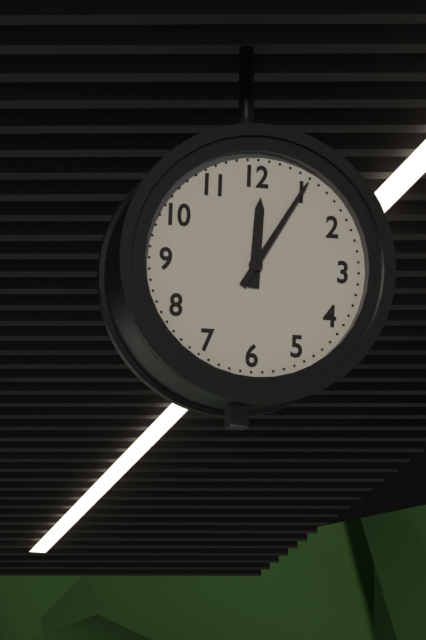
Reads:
h=12 m=5
